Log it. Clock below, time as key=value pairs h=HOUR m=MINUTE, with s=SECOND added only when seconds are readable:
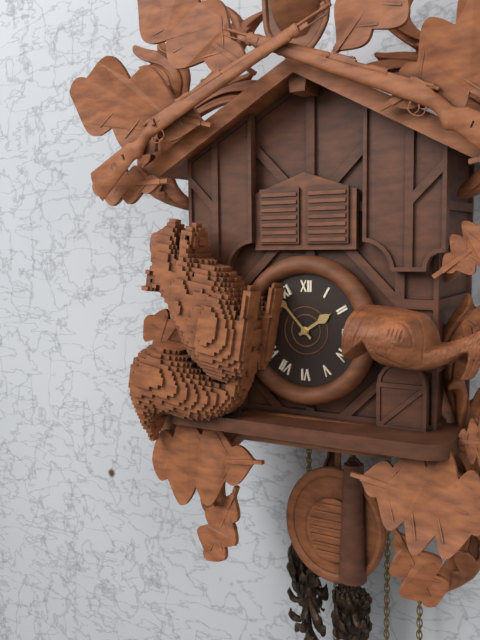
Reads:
h=1 m=53
